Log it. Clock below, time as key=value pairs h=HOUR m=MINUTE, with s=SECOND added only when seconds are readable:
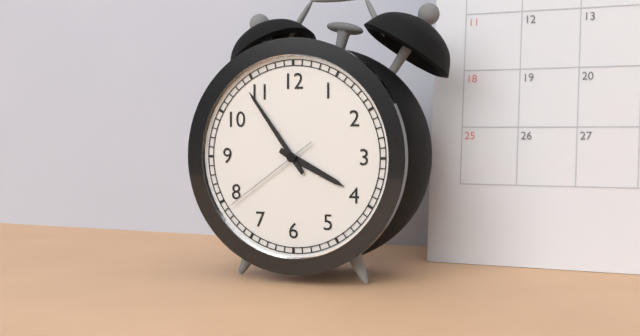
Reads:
h=3 m=54 s=39
